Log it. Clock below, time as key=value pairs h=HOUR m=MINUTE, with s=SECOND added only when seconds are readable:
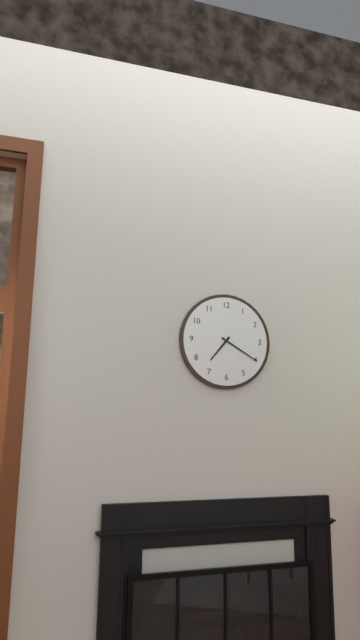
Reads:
h=7 m=20
